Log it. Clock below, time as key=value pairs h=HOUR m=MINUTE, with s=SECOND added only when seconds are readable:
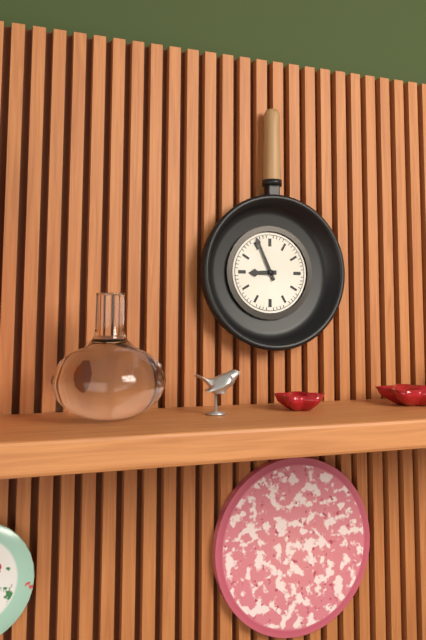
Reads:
h=8 m=56
